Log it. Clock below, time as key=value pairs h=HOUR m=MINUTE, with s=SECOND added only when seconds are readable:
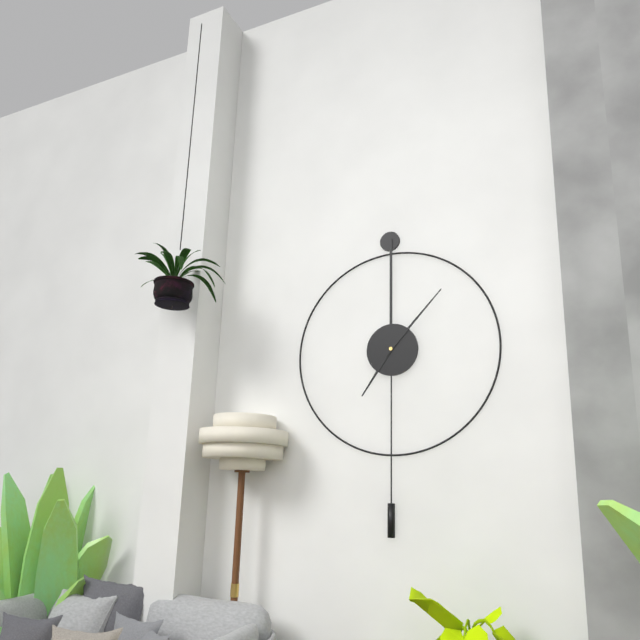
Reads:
h=7 m=7
